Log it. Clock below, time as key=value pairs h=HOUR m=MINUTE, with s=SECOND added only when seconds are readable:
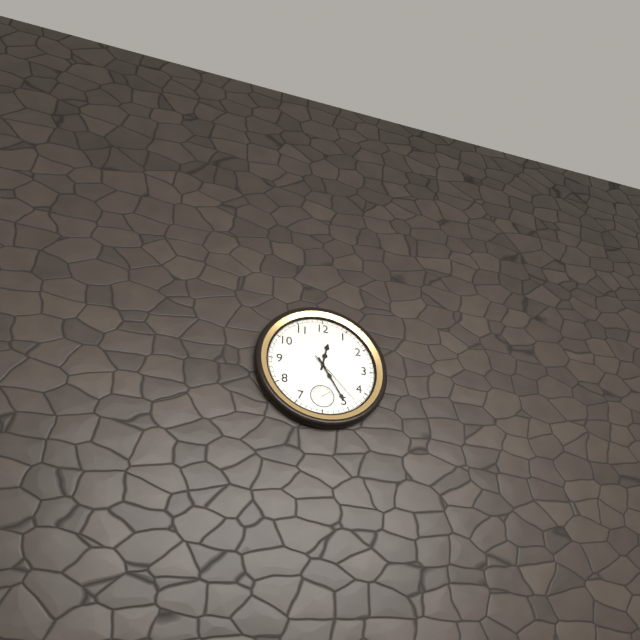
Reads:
h=12 m=25 s=23
